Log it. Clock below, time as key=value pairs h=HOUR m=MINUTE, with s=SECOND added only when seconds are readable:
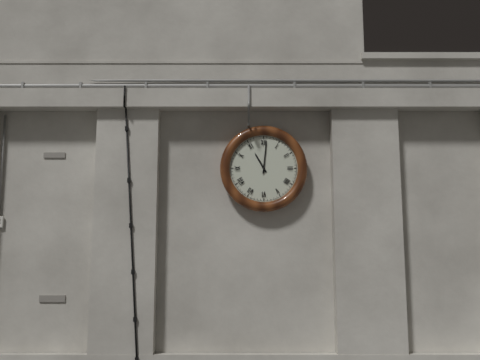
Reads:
h=11 m=1
